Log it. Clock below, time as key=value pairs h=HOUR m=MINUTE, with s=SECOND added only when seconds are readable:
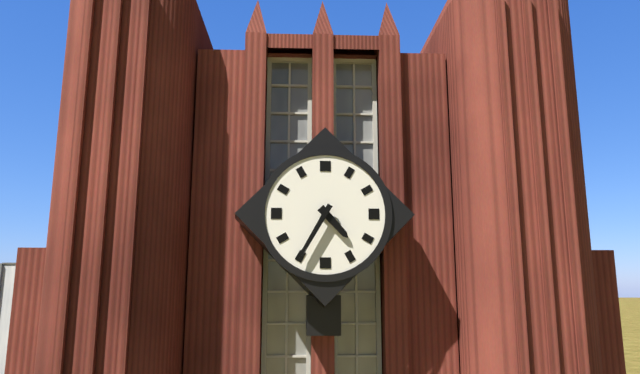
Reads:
h=4 m=35
